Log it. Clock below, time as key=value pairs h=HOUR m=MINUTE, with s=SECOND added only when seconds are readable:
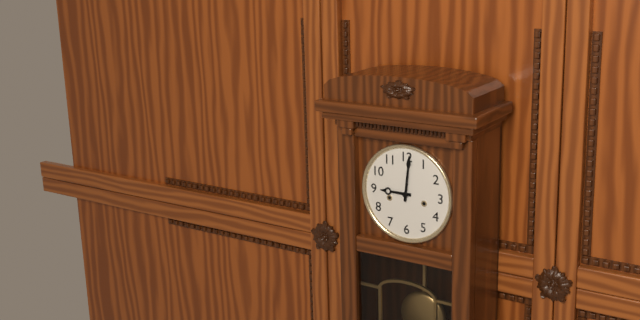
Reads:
h=9 m=1
